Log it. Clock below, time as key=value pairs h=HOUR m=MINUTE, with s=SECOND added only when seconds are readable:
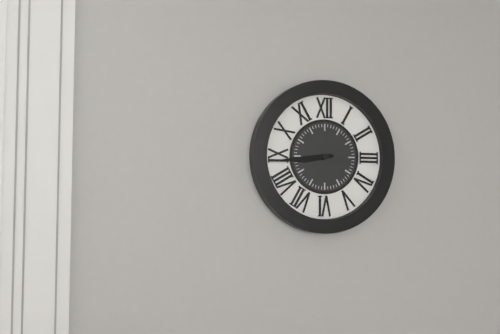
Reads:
h=8 m=44
